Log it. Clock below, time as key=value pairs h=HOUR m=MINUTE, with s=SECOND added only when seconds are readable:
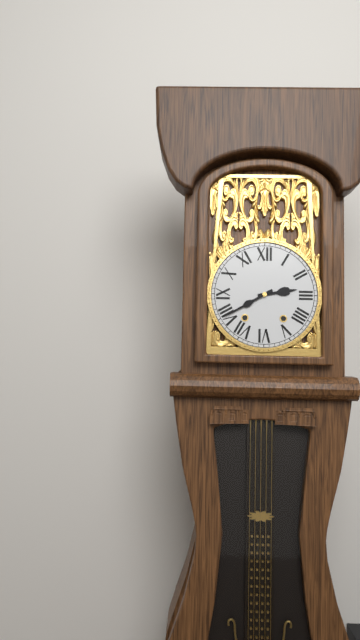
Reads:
h=2 m=40
